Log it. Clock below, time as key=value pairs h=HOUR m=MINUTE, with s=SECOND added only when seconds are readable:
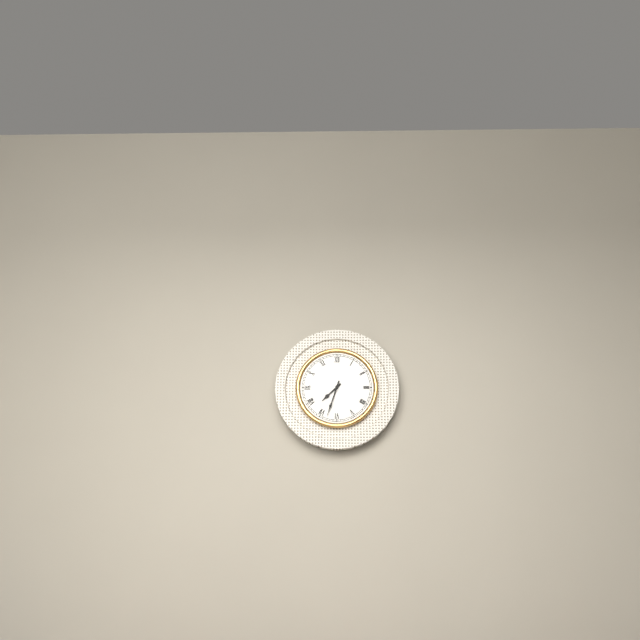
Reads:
h=7 m=33
